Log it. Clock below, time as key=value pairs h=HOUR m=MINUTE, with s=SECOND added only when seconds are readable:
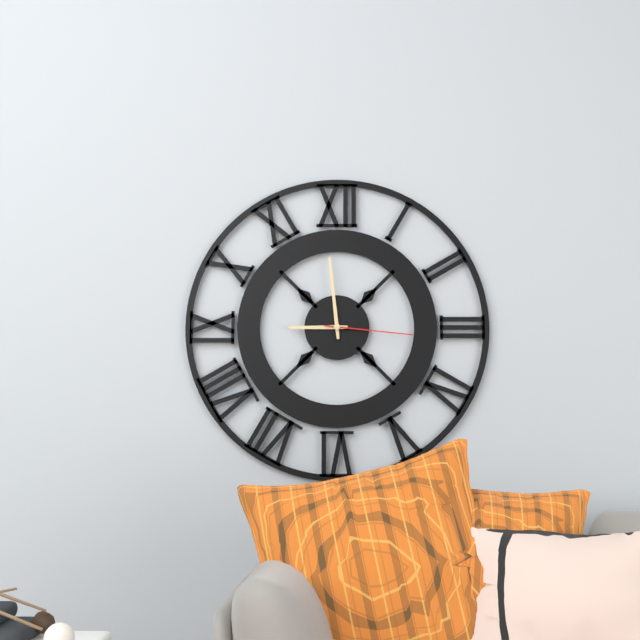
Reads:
h=8 m=59 s=16
